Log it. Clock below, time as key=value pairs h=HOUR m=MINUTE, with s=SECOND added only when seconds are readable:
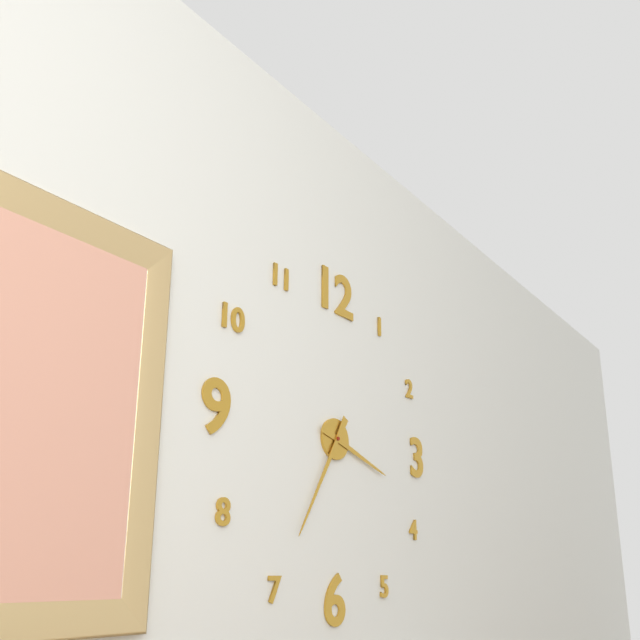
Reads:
h=3 m=35
